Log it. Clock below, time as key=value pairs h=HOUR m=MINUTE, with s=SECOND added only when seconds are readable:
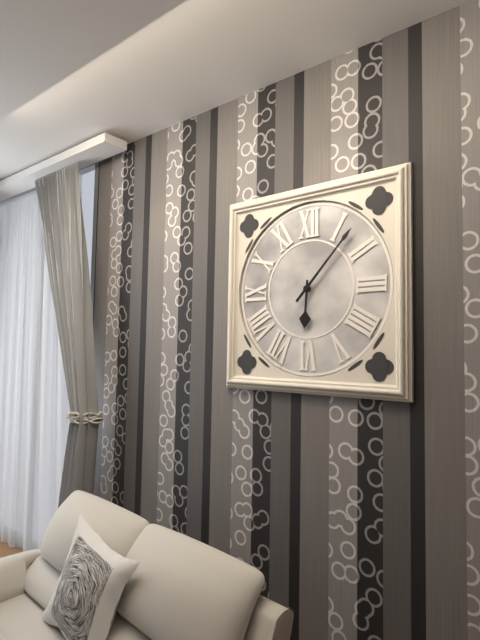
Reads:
h=6 m=7
